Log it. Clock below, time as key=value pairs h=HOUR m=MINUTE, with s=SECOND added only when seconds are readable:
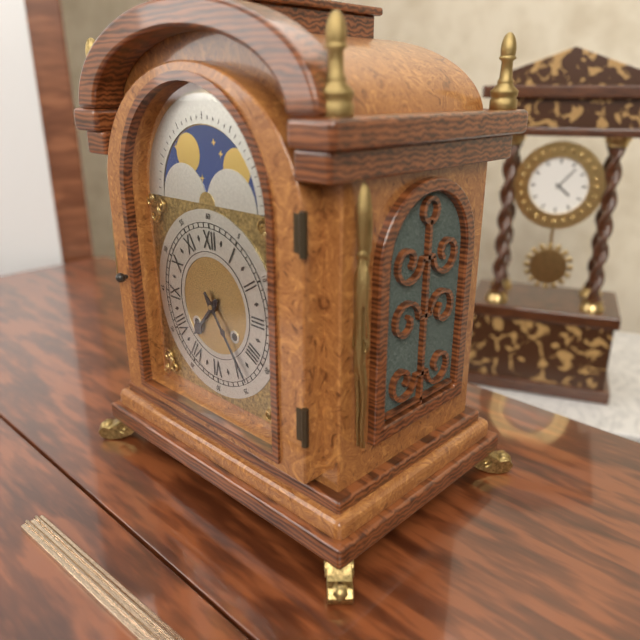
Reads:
h=7 m=24
